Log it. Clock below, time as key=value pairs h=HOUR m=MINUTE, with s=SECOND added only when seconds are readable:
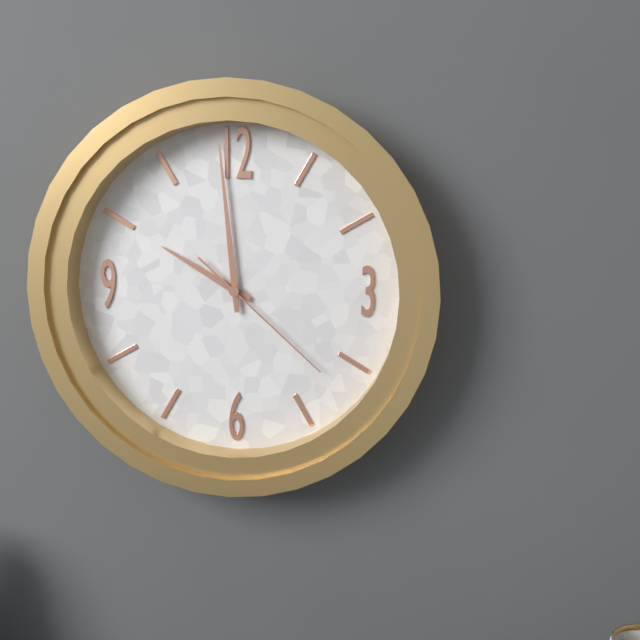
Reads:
h=9 m=59 s=22
